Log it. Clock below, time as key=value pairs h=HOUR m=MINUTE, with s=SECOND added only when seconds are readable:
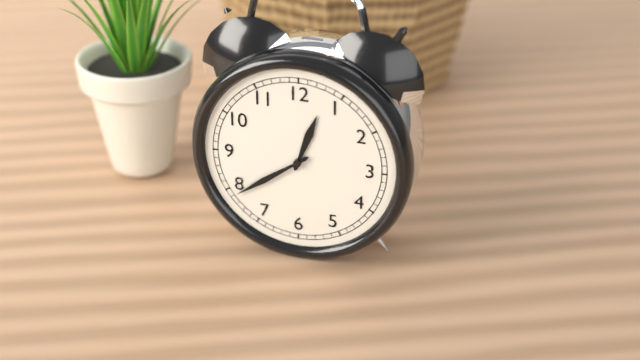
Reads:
h=12 m=39
